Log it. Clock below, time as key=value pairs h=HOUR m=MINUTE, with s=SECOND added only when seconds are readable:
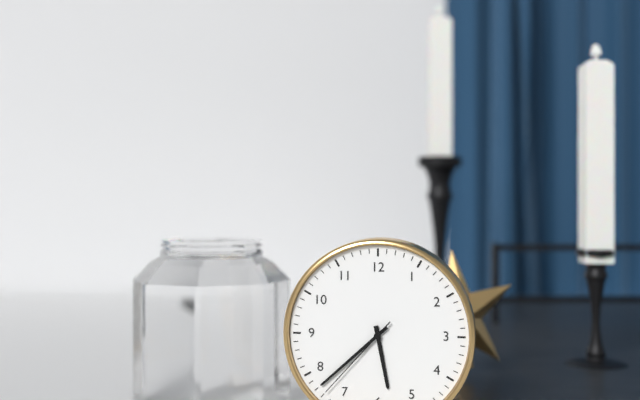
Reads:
h=5 m=38 s=37
